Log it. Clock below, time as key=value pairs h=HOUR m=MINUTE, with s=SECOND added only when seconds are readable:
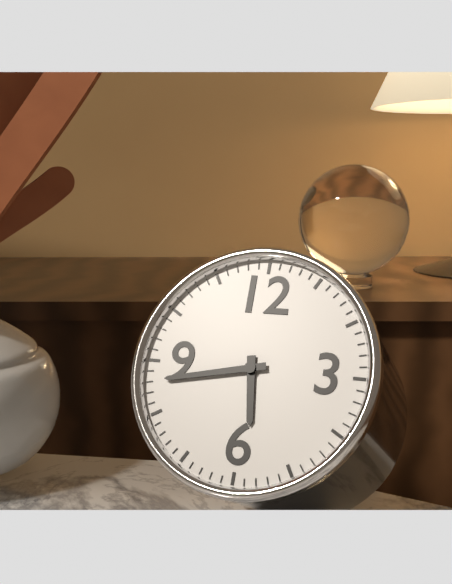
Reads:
h=5 m=43
